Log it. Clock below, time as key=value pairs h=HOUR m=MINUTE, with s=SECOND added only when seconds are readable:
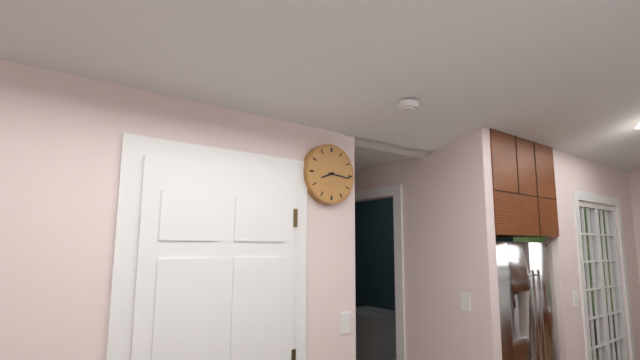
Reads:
h=8 m=16
